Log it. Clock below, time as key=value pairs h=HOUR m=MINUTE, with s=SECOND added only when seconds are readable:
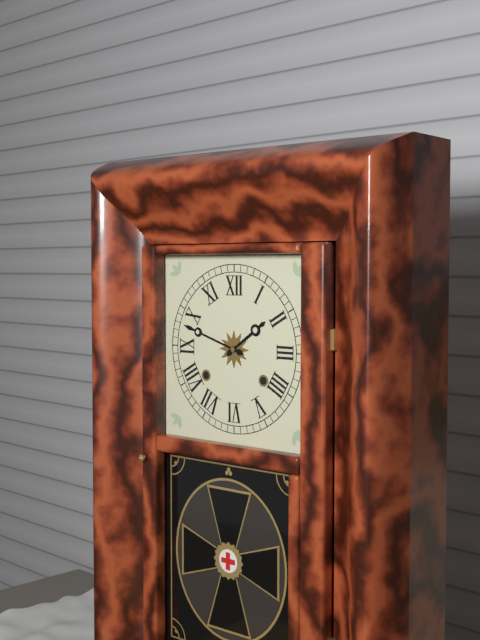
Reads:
h=1 m=48
